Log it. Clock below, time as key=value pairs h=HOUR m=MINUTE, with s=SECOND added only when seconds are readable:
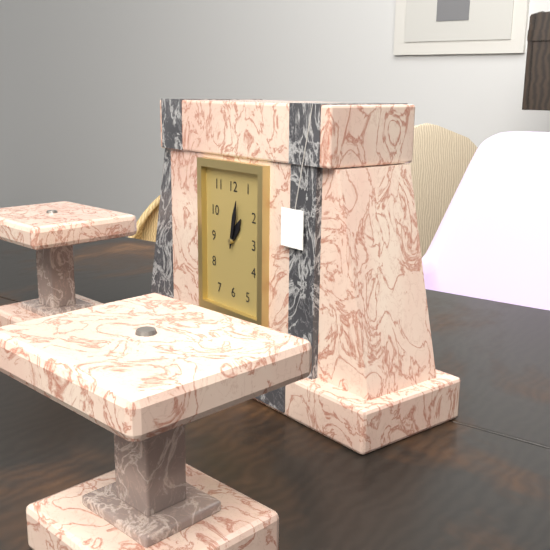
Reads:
h=1 m=2
